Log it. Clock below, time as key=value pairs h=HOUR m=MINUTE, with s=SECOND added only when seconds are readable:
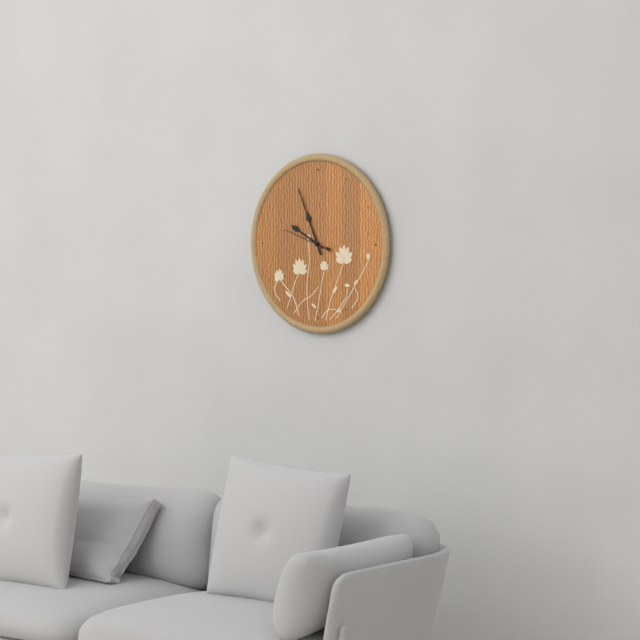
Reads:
h=9 m=56 s=48
